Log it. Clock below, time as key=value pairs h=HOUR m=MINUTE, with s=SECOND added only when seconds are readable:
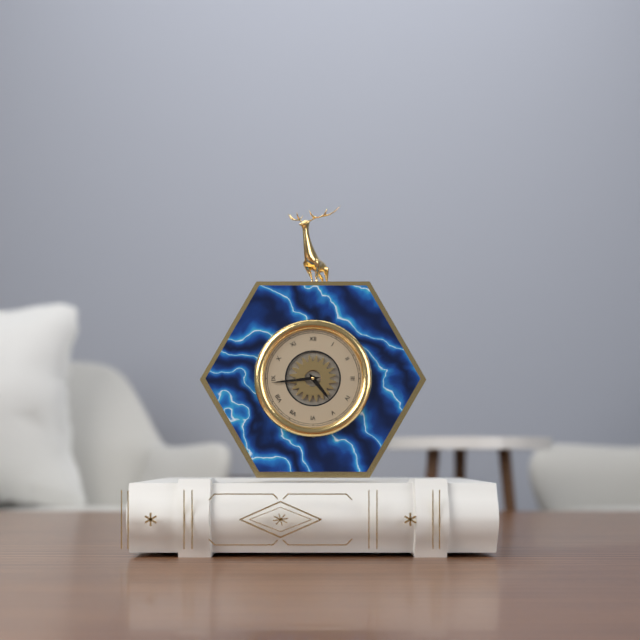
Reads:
h=4 m=44
